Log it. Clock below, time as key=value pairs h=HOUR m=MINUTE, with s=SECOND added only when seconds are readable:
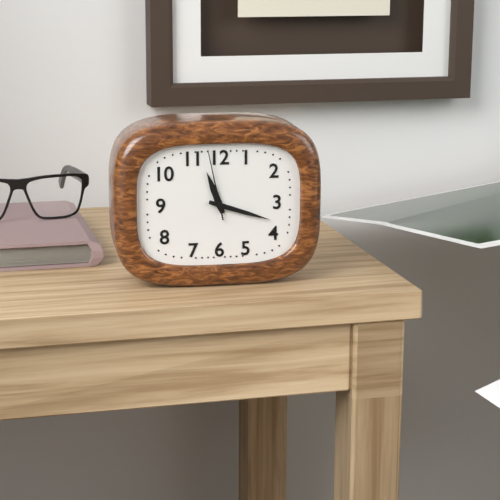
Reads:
h=11 m=18 s=58
